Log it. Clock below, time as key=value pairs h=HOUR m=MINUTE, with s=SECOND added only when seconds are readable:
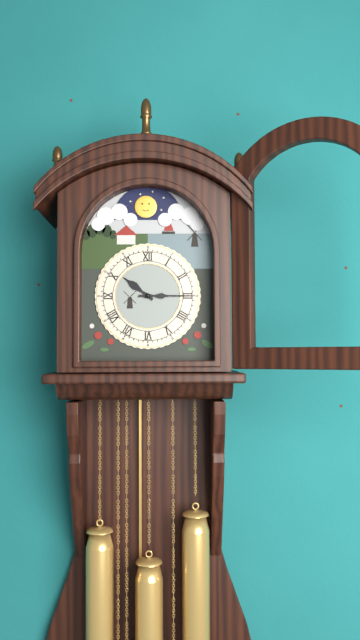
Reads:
h=10 m=15
